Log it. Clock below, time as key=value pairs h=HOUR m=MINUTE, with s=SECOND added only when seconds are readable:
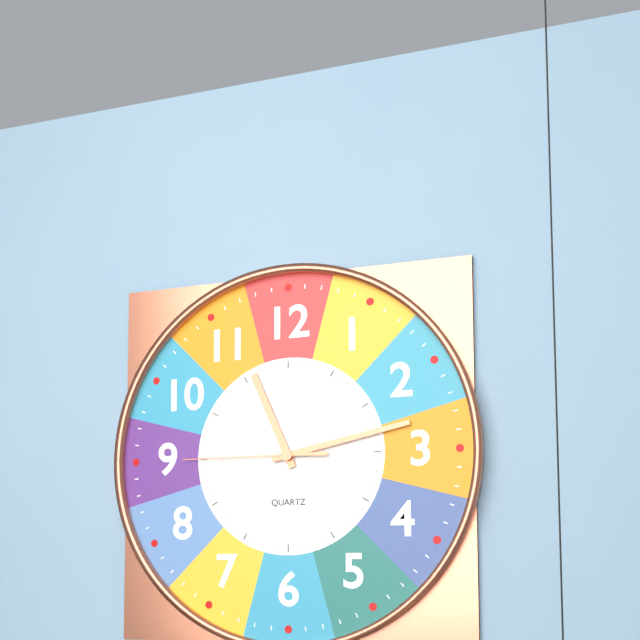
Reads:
h=11 m=13 s=45
